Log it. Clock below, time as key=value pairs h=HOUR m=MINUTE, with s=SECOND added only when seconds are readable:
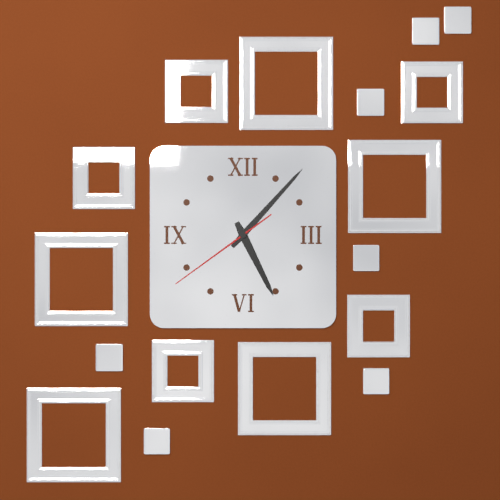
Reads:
h=5 m=7 s=39
